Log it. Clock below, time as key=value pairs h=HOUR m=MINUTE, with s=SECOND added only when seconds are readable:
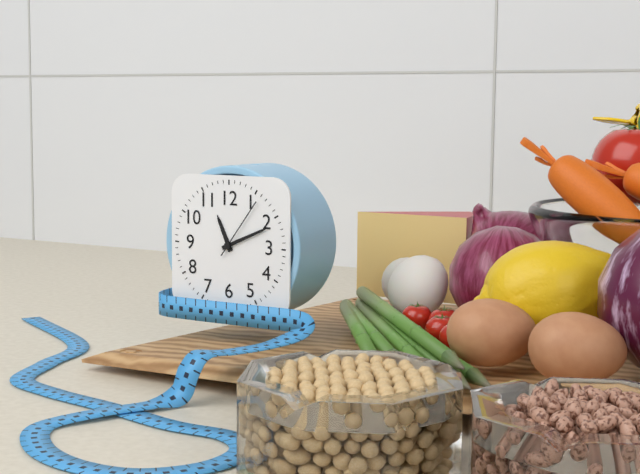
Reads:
h=11 m=11 s=6
